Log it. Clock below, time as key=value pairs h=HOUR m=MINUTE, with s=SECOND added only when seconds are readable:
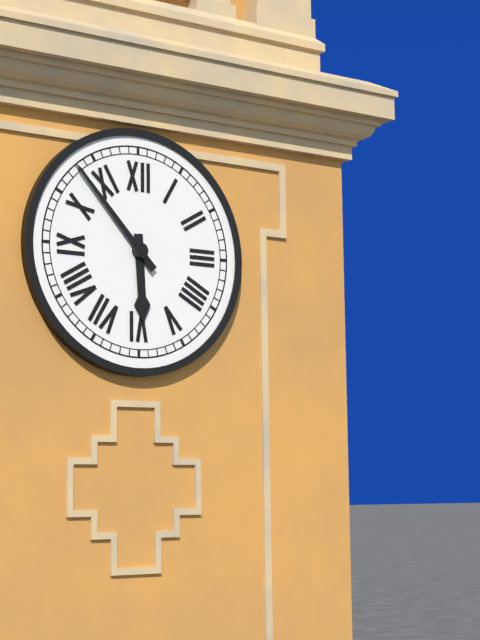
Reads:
h=5 m=53
